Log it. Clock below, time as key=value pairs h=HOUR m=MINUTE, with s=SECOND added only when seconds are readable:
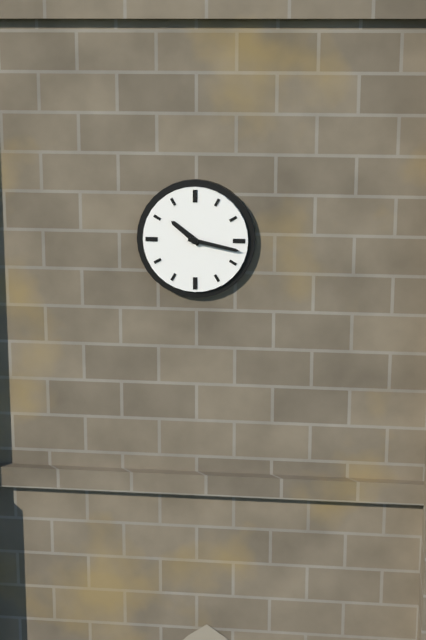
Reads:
h=10 m=17
